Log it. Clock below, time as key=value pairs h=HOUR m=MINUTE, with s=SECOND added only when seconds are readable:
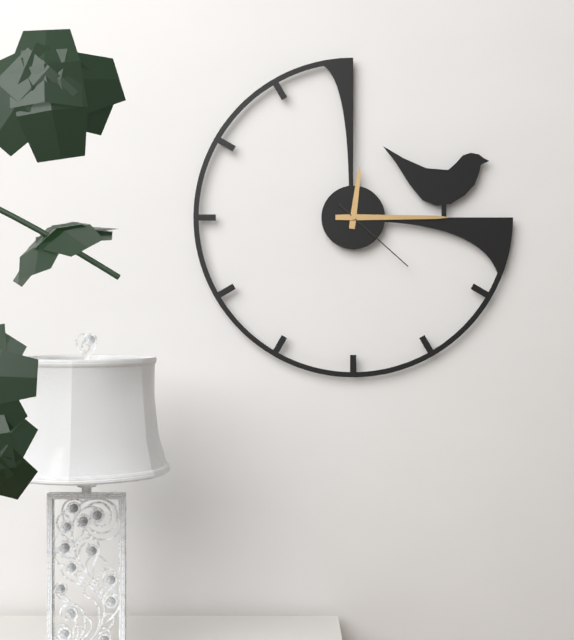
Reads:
h=12 m=15 s=22
